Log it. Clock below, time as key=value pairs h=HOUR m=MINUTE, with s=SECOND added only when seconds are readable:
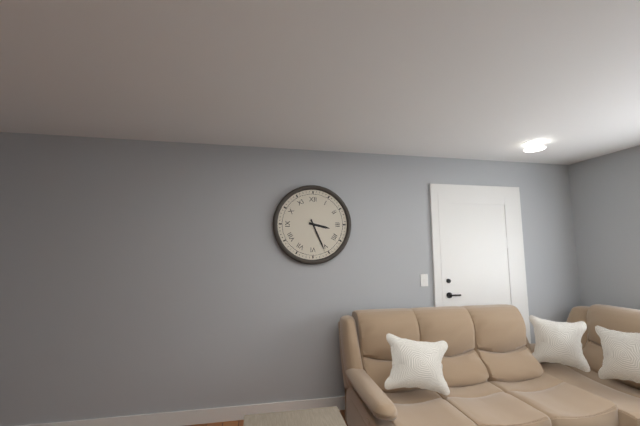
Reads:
h=3 m=26
